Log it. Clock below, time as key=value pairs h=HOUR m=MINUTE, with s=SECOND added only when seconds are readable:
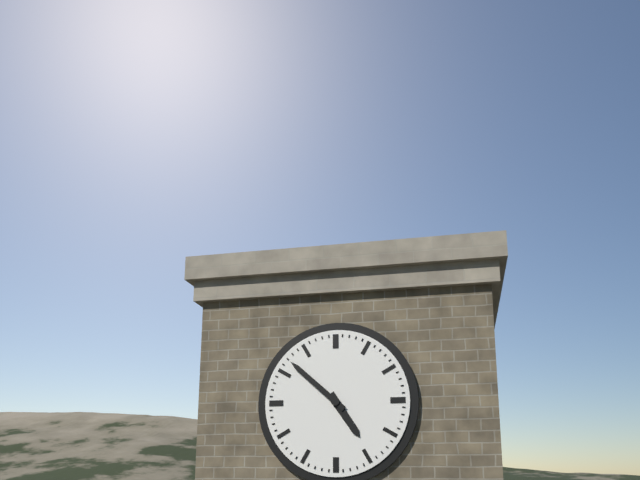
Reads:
h=4 m=52
